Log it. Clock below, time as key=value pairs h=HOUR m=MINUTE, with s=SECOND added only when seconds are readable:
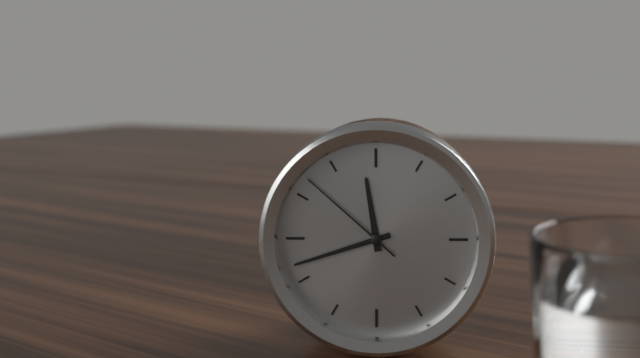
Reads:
h=11 m=42 s=52
